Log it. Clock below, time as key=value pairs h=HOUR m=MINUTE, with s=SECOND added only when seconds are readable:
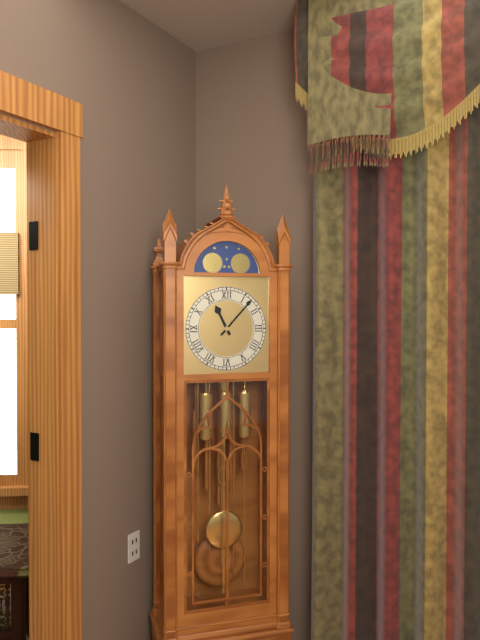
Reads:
h=11 m=7
